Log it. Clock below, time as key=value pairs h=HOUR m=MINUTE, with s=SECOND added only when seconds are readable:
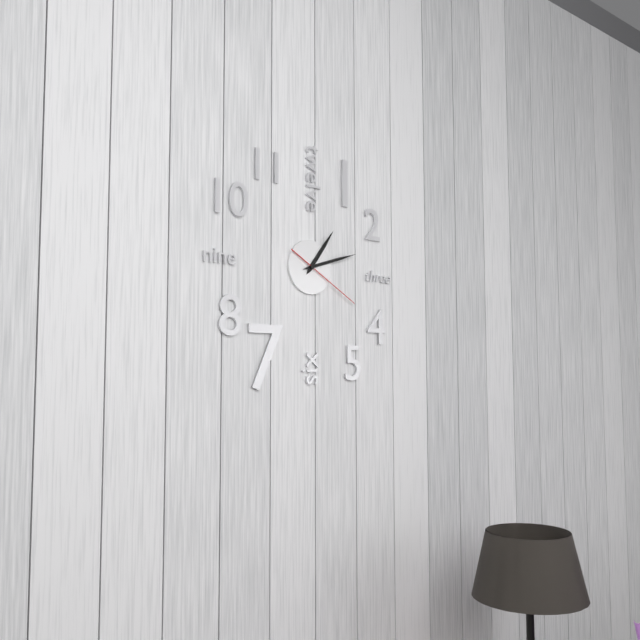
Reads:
h=1 m=12 s=20
